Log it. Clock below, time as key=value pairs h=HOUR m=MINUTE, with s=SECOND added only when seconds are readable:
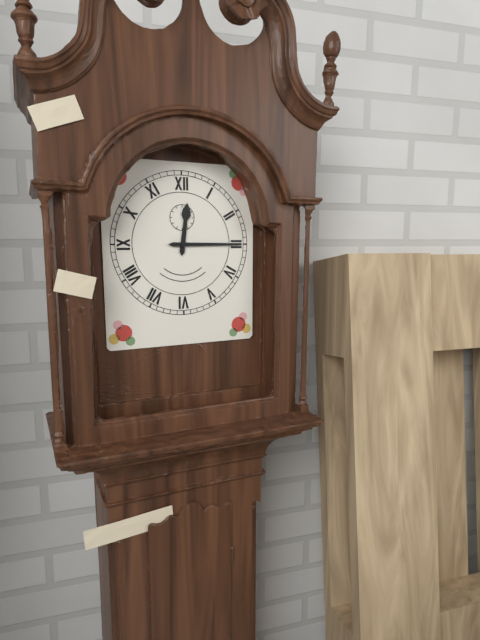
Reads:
h=12 m=15
